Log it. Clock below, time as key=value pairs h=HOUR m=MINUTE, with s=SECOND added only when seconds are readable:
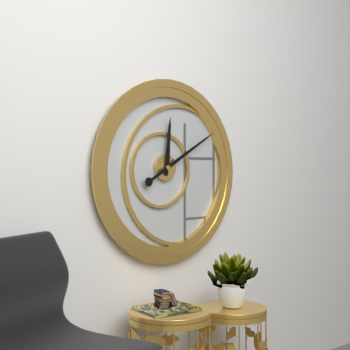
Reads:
h=12 m=10
